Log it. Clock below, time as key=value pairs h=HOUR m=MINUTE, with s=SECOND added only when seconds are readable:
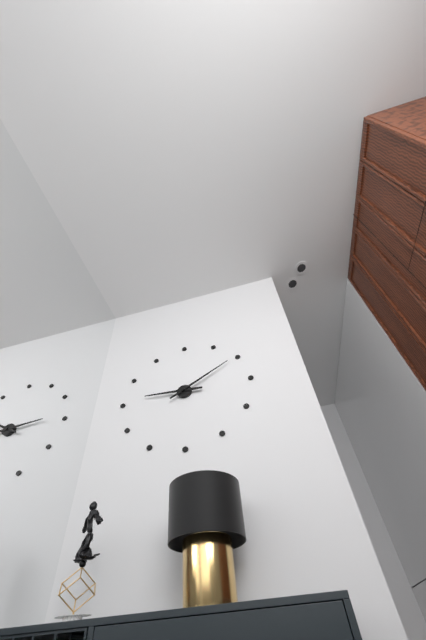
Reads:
h=9 m=10
